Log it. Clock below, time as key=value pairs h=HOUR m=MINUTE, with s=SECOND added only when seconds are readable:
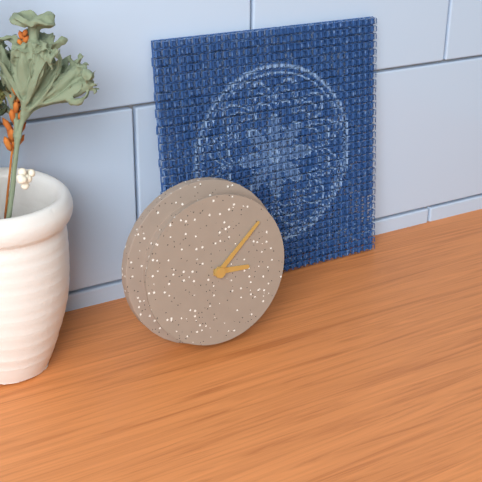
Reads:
h=3 m=8
